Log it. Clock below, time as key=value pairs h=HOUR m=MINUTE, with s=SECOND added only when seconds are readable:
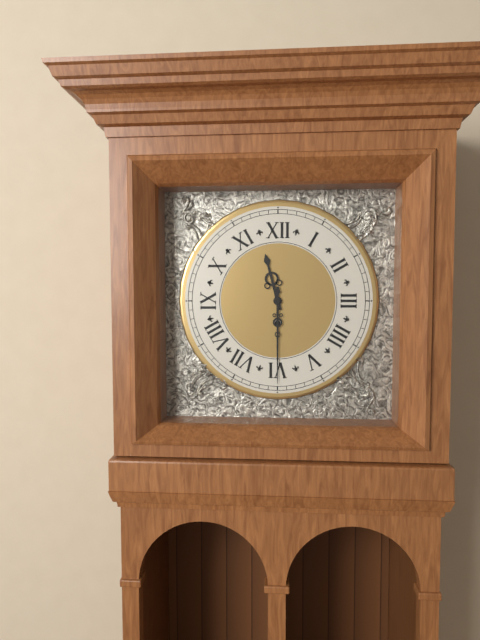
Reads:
h=11 m=30
